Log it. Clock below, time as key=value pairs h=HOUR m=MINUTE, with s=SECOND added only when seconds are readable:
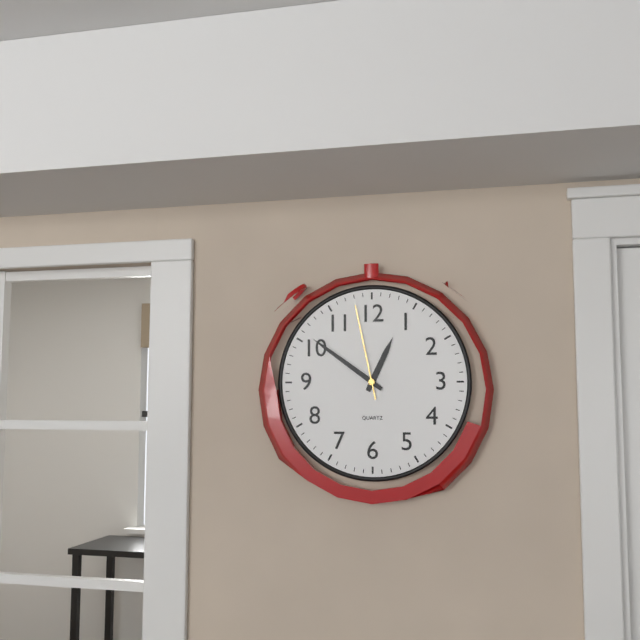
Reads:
h=12 m=51 s=58
